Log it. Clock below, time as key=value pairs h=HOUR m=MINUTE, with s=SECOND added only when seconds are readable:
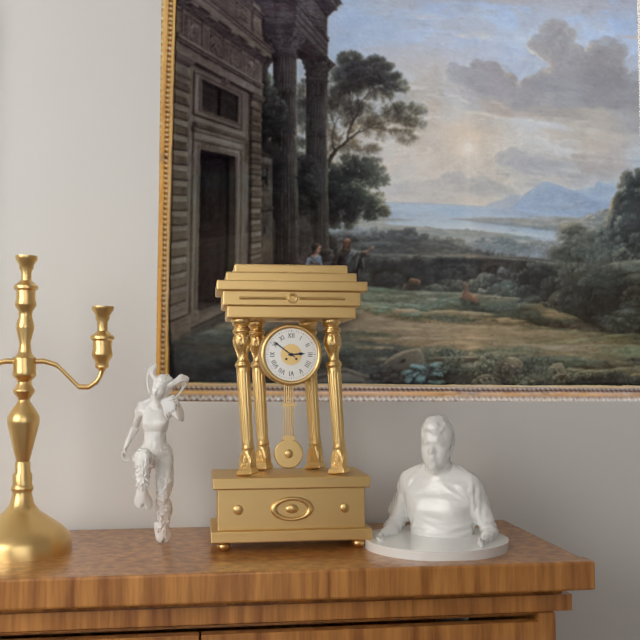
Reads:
h=2 m=51
